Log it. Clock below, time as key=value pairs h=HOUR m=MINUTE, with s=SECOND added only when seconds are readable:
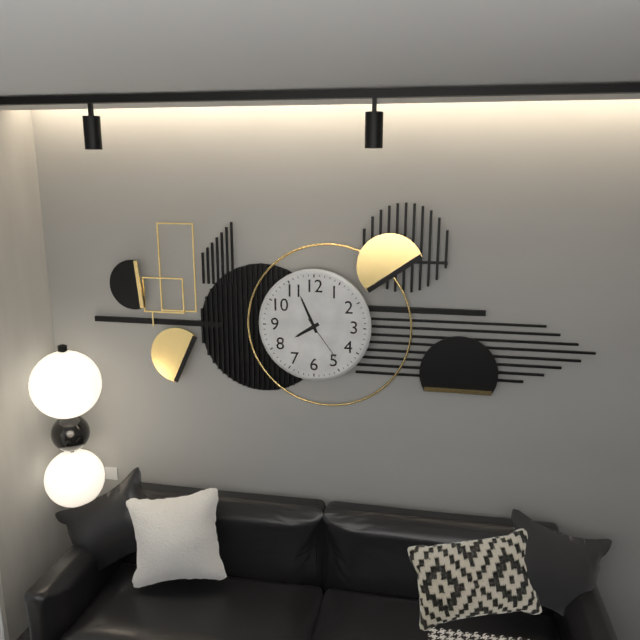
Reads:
h=7 m=56
